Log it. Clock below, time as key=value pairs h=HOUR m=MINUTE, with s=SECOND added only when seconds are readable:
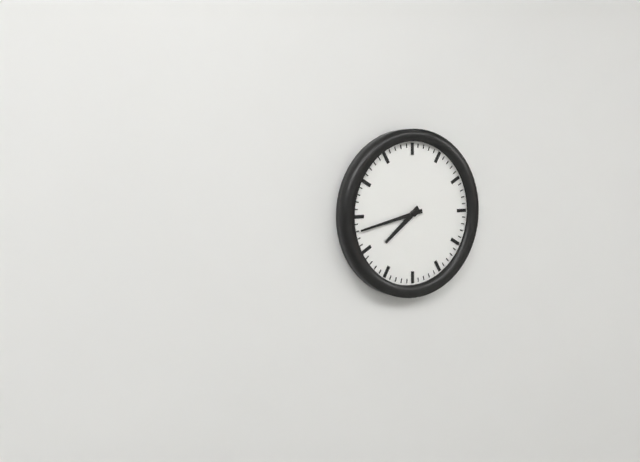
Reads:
h=7 m=43
